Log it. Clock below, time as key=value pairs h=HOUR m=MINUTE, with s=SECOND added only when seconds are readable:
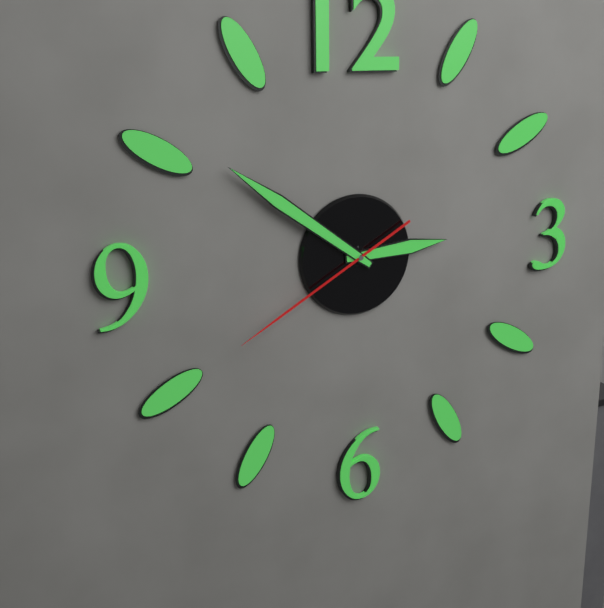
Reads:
h=2 m=51 s=40
